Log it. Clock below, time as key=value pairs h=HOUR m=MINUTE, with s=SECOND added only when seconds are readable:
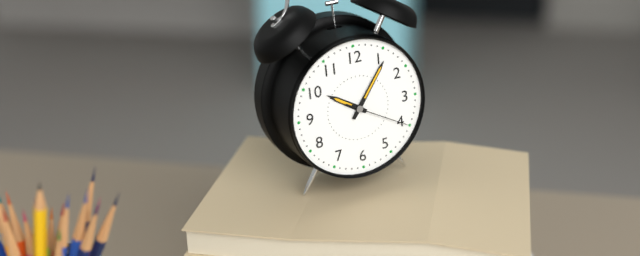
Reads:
h=10 m=6 s=20
